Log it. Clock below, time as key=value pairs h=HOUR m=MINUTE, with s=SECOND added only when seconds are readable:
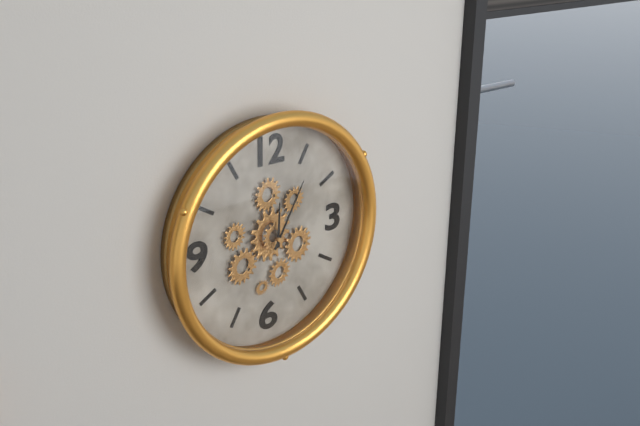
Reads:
h=12 m=5
